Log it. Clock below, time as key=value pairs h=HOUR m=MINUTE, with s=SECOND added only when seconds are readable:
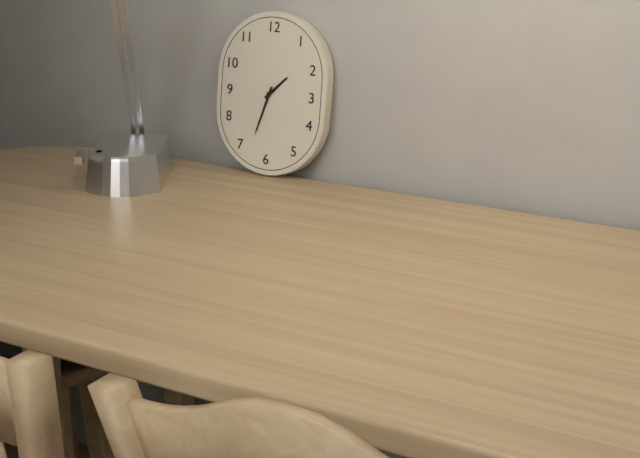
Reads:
h=1 m=33
